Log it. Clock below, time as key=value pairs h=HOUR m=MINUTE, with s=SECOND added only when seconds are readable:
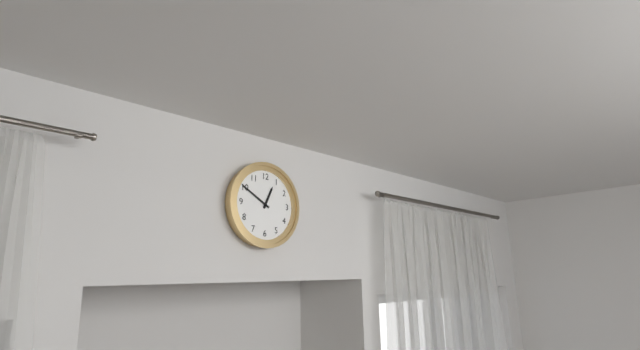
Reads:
h=12 m=50
